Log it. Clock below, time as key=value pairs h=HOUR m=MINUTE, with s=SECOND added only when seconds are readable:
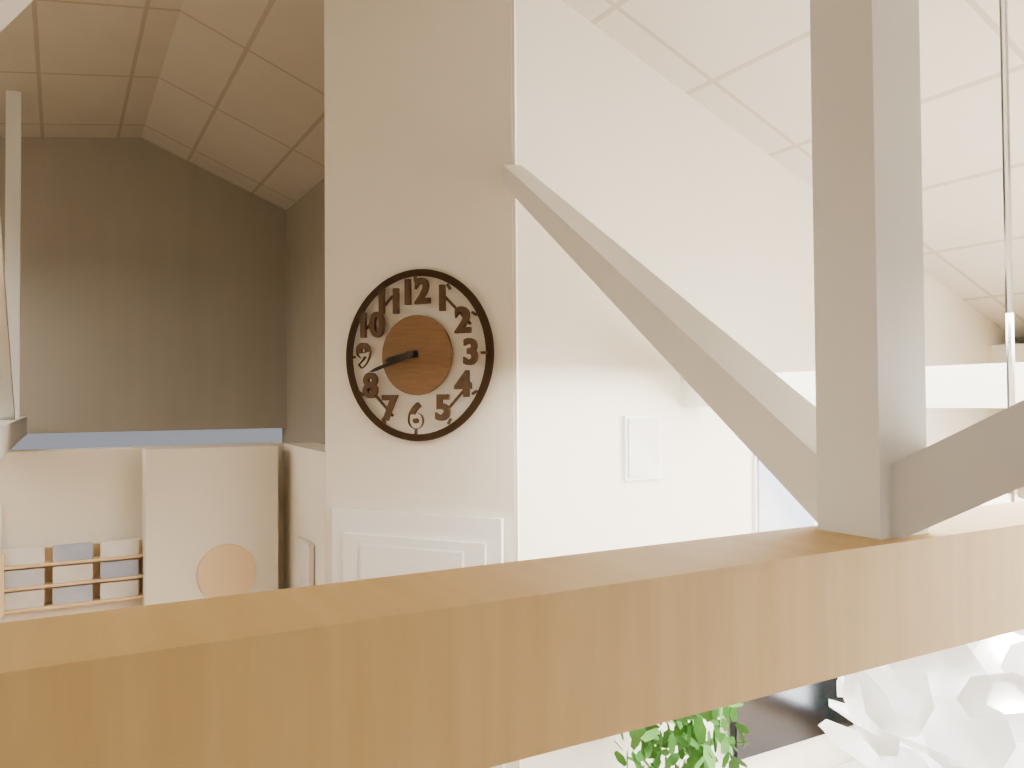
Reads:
h=8 m=42
